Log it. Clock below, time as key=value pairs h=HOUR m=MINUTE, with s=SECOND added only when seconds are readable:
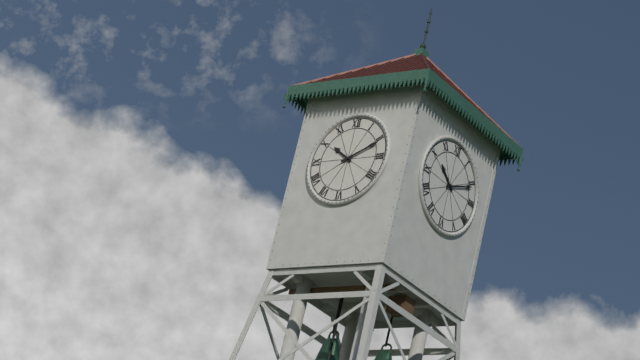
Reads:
h=10 m=11
